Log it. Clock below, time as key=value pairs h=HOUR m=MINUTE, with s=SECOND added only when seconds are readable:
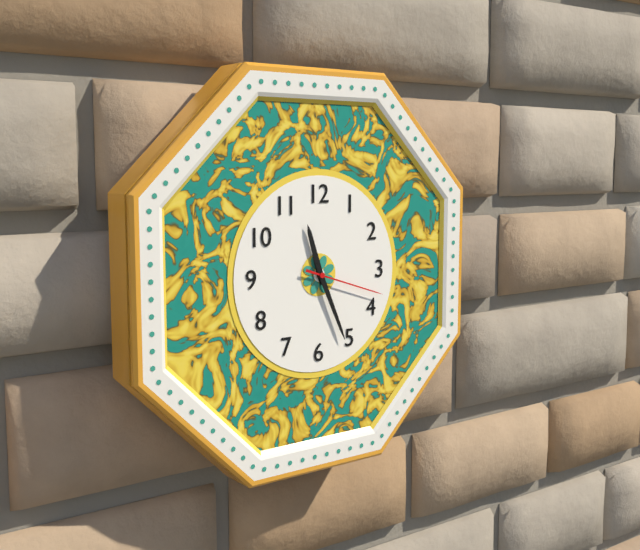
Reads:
h=11 m=26 s=18
